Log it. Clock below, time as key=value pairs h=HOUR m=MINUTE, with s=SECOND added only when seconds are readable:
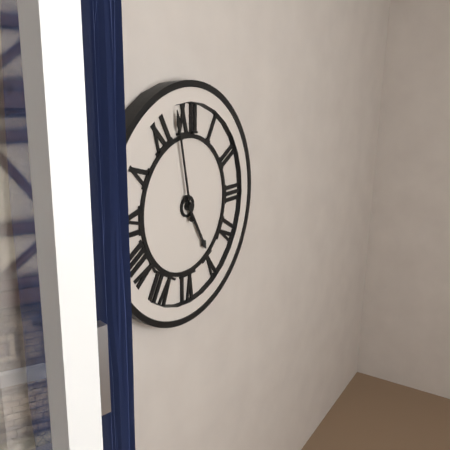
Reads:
h=4 m=58
